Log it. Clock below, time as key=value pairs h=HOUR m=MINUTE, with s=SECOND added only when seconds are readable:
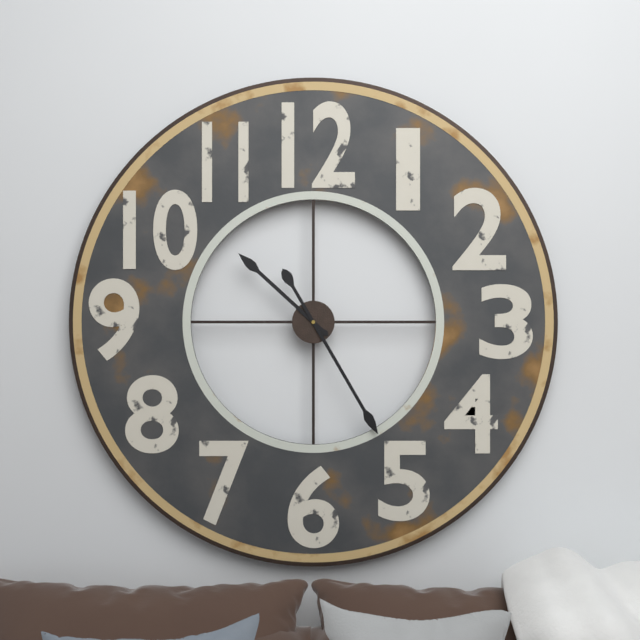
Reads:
h=10 m=25
